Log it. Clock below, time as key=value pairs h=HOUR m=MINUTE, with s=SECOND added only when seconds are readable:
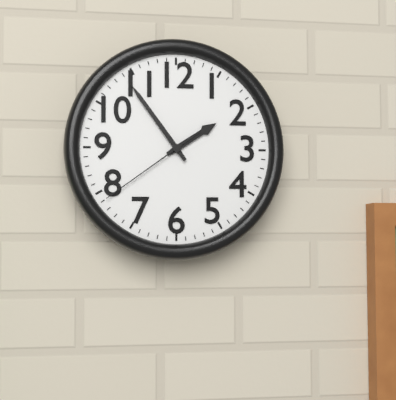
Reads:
h=1 m=54 s=39
